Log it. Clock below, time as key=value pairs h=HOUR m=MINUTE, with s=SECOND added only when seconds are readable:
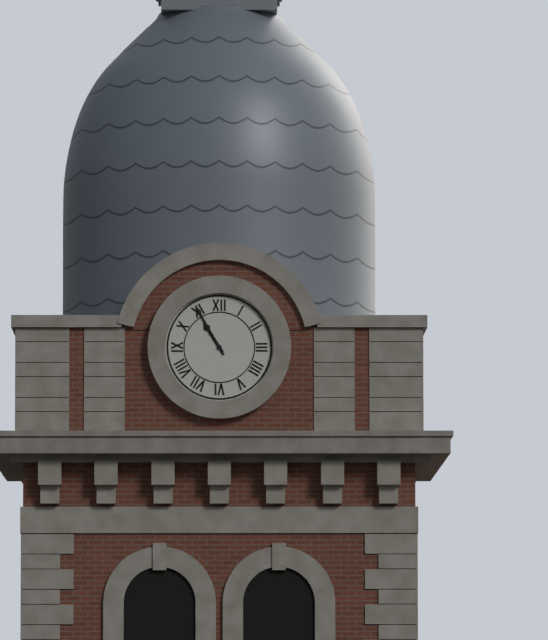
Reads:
h=10 m=55
